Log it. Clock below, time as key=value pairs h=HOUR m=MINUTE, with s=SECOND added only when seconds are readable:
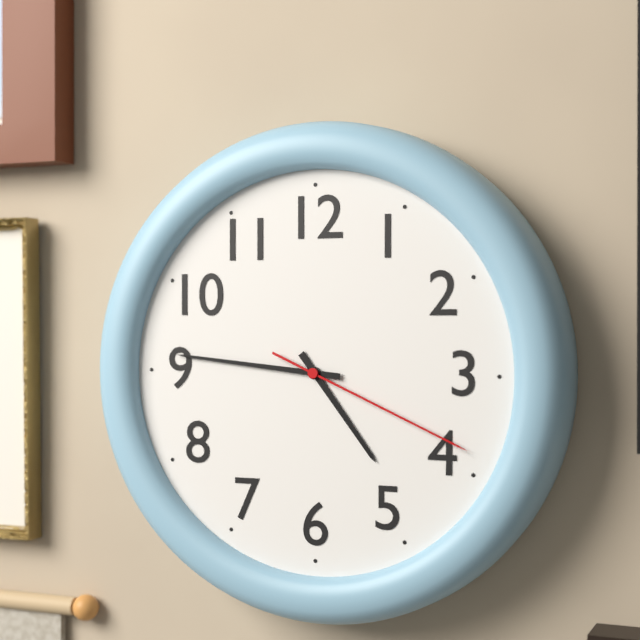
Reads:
h=4 m=46 s=19
